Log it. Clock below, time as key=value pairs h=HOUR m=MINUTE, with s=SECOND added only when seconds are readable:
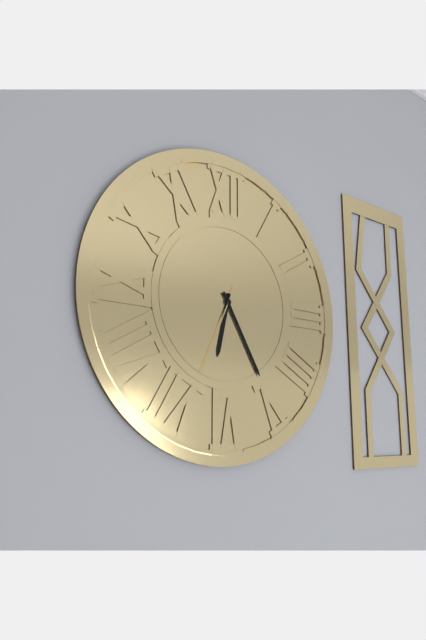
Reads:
h=6 m=25 s=34
